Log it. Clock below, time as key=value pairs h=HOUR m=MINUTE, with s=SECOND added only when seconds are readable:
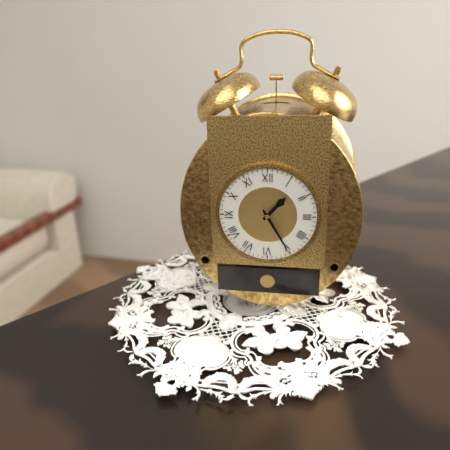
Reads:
h=1 m=25
